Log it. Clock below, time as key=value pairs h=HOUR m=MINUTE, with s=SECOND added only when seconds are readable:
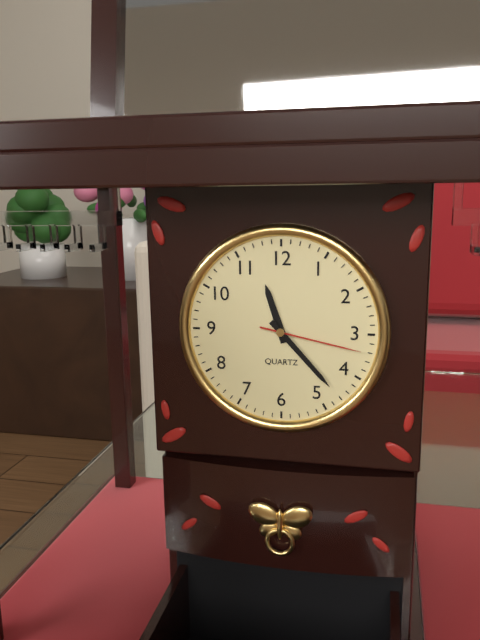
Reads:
h=11 m=23 s=17
